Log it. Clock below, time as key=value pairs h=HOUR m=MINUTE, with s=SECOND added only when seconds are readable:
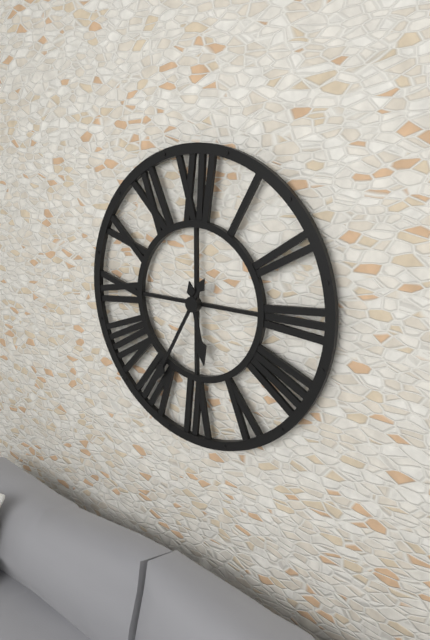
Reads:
h=5 m=35
